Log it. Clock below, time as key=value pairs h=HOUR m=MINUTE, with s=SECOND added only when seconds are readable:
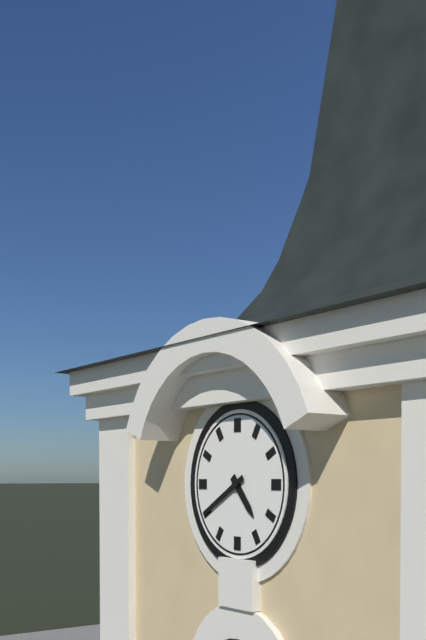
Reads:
h=4 m=40
